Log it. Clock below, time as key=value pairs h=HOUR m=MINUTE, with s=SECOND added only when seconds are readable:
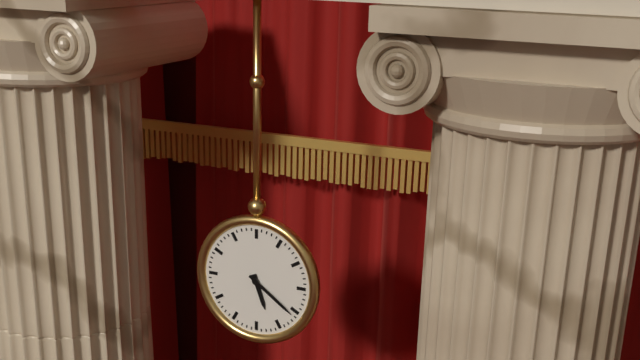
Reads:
h=5 m=21
